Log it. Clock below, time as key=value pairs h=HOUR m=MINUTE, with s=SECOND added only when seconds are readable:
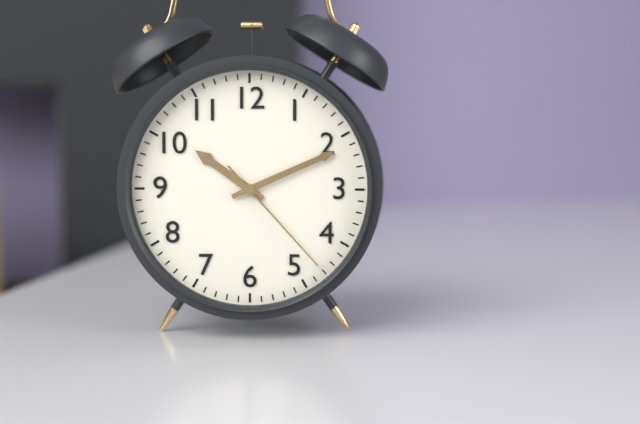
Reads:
h=10 m=11 s=23
